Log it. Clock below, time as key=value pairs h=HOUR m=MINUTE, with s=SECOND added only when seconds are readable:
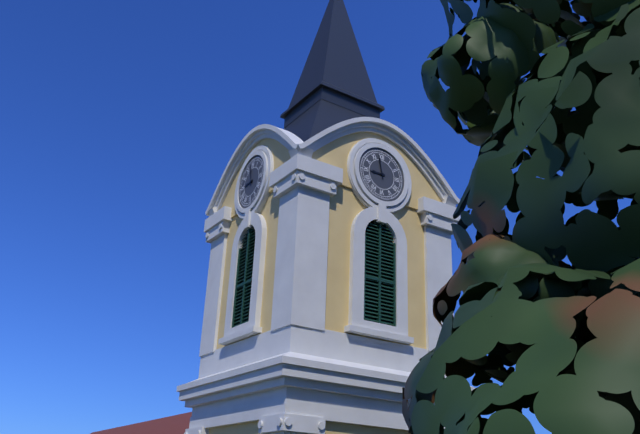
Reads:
h=8 m=58
